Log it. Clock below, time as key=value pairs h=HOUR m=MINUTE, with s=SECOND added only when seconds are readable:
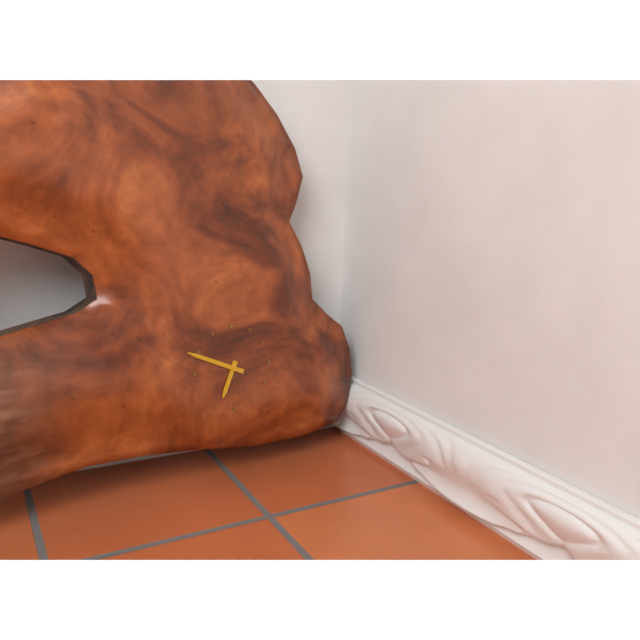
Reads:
h=6 m=49
